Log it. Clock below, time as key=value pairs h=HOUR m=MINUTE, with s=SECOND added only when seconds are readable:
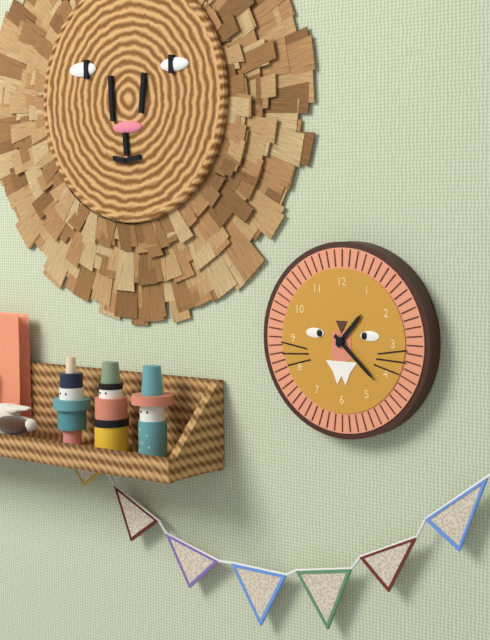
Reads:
h=1 m=22
